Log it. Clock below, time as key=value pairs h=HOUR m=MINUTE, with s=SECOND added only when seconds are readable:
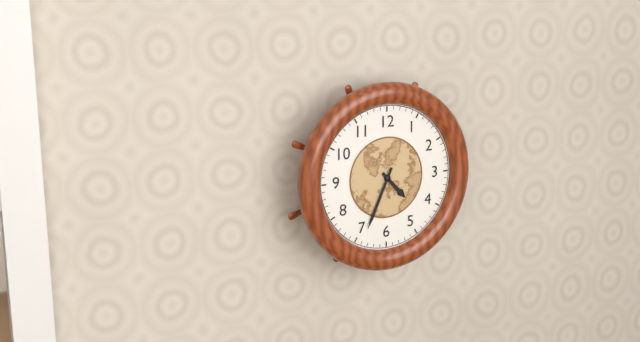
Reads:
h=4 m=34
